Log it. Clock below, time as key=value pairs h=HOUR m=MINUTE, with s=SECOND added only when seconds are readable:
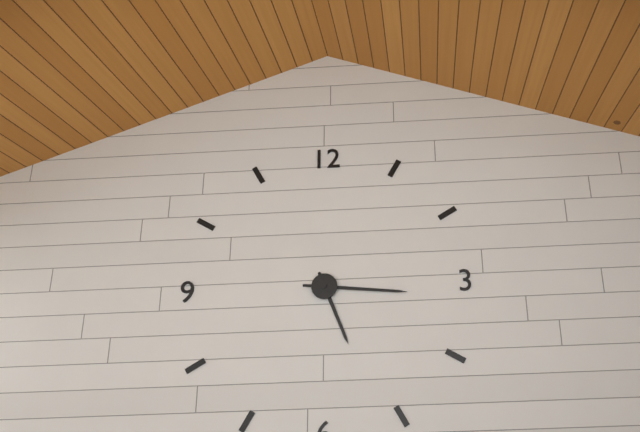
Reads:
h=5 m=16
